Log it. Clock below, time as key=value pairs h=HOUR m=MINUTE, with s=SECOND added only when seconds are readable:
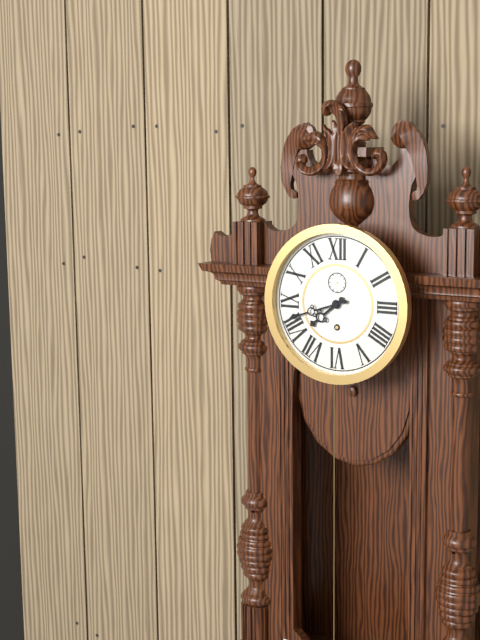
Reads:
h=7 m=42
